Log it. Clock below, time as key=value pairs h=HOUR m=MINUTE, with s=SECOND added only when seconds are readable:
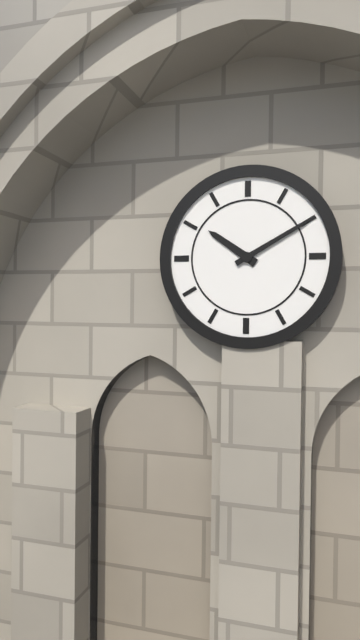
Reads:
h=10 m=10
